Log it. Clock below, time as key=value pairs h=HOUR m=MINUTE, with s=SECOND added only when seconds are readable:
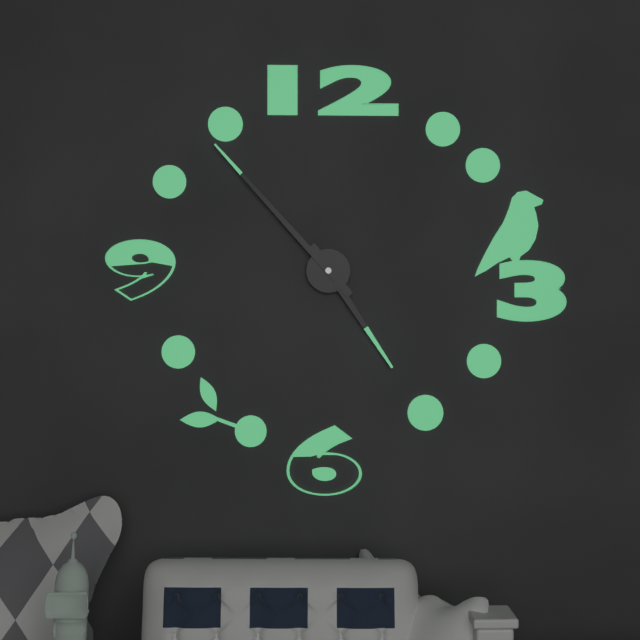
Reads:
h=4 m=53
